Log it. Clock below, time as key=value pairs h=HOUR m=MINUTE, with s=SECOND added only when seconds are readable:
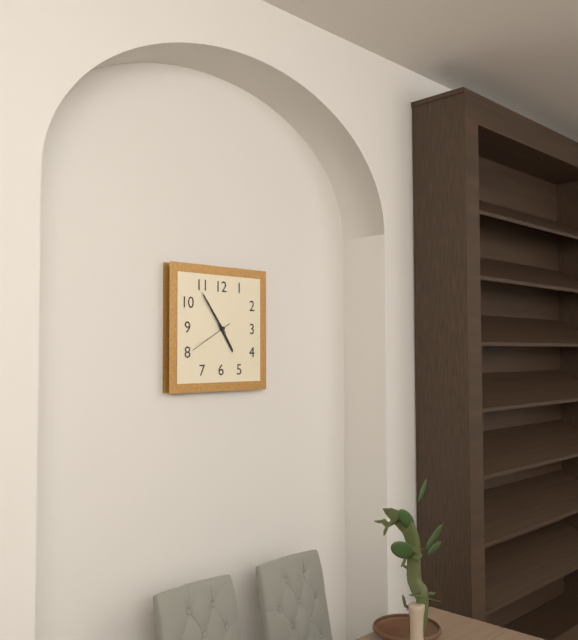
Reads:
h=4 m=54
